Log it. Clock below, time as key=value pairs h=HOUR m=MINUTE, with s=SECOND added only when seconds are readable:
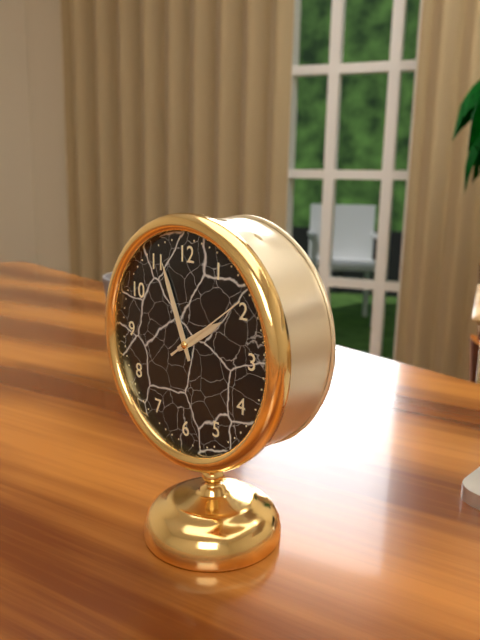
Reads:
h=1 m=56 s=9
